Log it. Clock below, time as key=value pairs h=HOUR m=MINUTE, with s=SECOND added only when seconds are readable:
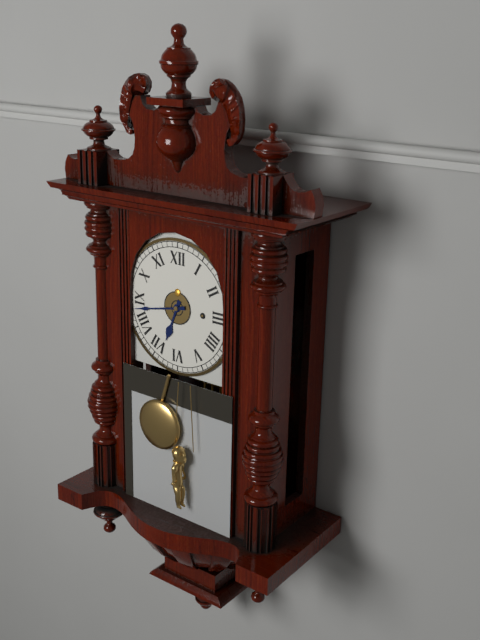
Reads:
h=6 m=43
